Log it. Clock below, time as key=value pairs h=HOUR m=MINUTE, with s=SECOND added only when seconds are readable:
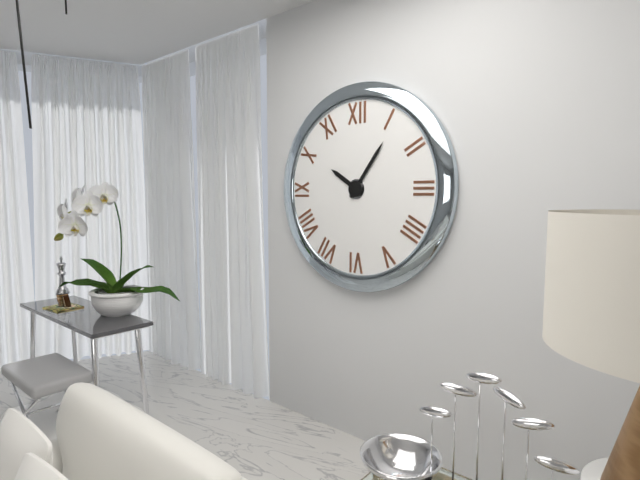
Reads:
h=10 m=6
